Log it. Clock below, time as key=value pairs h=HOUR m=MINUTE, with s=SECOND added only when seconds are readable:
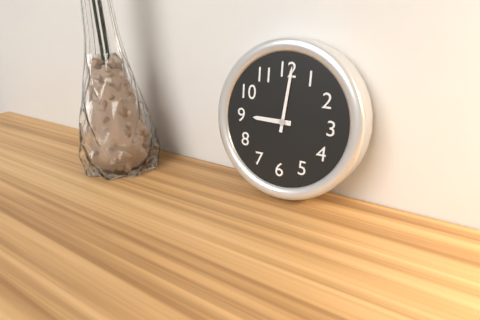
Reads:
h=9 m=1
